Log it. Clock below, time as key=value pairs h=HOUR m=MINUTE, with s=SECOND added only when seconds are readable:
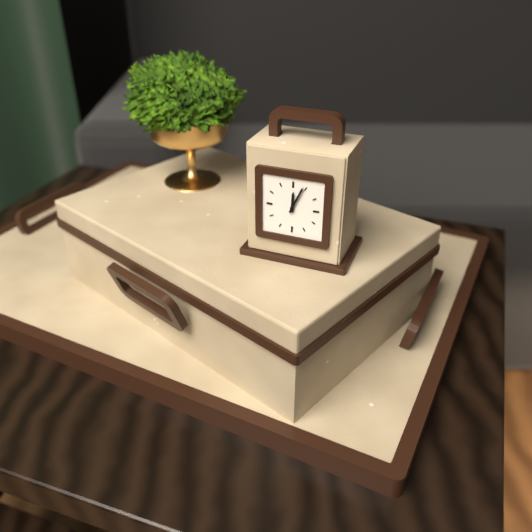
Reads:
h=12 m=4
